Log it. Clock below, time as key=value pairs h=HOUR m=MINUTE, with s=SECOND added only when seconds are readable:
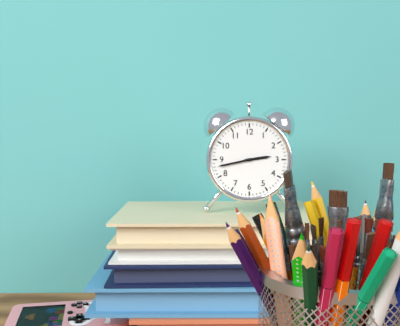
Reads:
h=2 m=43
